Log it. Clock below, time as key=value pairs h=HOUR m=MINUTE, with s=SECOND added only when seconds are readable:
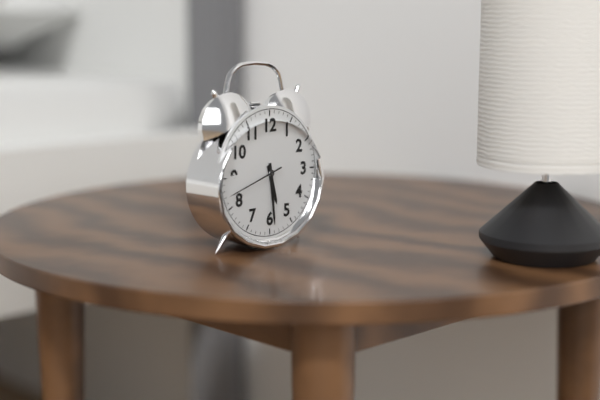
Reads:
h=5 m=29 s=42
